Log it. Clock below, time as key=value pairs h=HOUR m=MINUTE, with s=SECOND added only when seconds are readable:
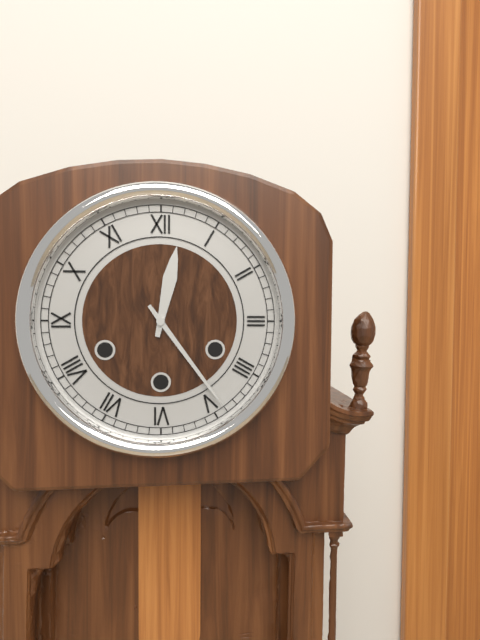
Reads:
h=12 m=24
